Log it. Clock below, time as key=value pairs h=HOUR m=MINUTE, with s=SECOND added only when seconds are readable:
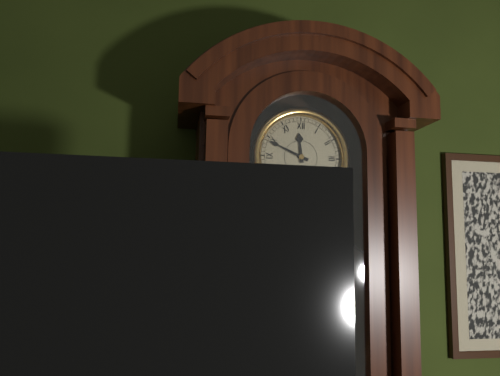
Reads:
h=11 m=49
